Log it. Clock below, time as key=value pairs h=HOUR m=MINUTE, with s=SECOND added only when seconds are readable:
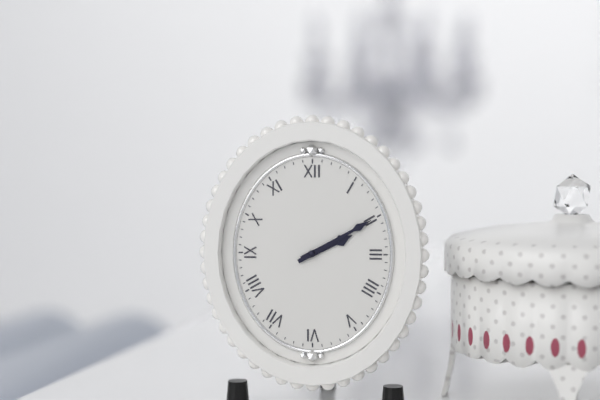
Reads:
h=2 m=10
